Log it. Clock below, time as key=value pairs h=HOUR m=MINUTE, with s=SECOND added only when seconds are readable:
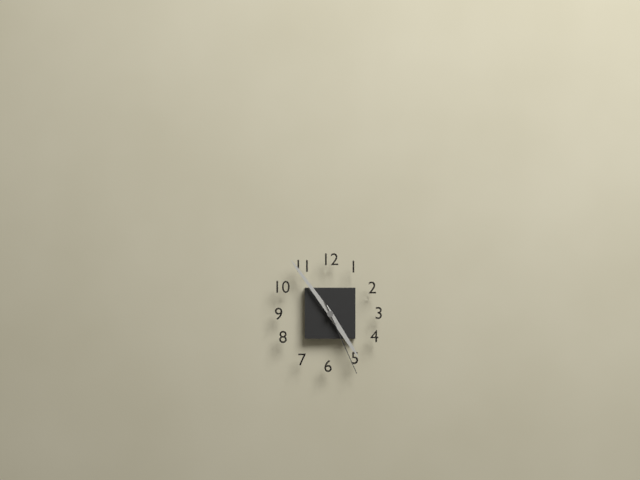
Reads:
h=4 m=54 s=26
